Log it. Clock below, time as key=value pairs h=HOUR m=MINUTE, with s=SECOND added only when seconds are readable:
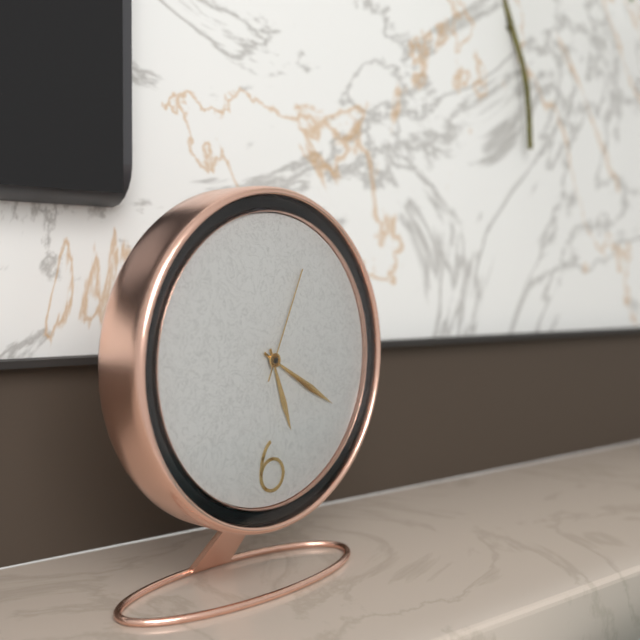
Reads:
h=5 m=20 s=4
